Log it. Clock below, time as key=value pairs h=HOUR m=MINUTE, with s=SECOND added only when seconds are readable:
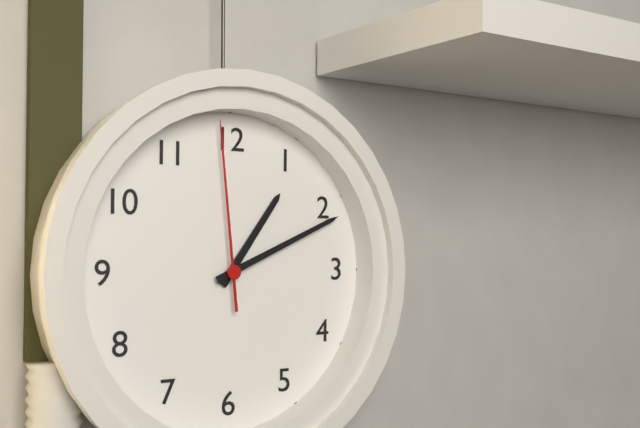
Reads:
h=1 m=11 s=59
